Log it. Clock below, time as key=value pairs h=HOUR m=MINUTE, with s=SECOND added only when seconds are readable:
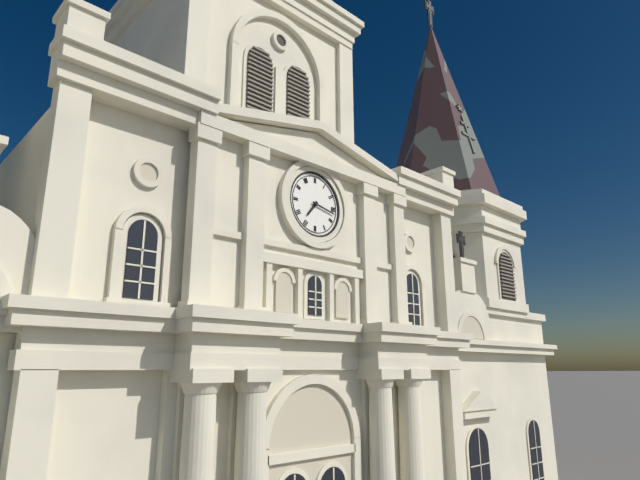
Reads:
h=7 m=17
